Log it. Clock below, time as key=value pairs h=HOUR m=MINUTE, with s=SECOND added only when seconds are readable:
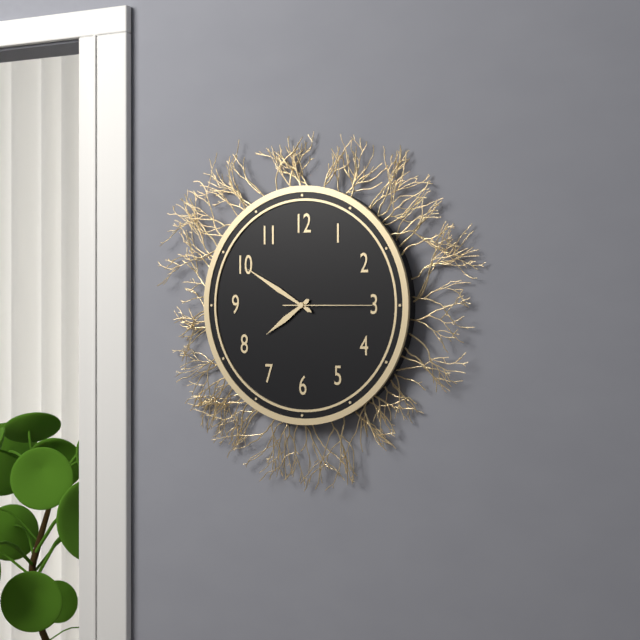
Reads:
h=7 m=50 s=15
